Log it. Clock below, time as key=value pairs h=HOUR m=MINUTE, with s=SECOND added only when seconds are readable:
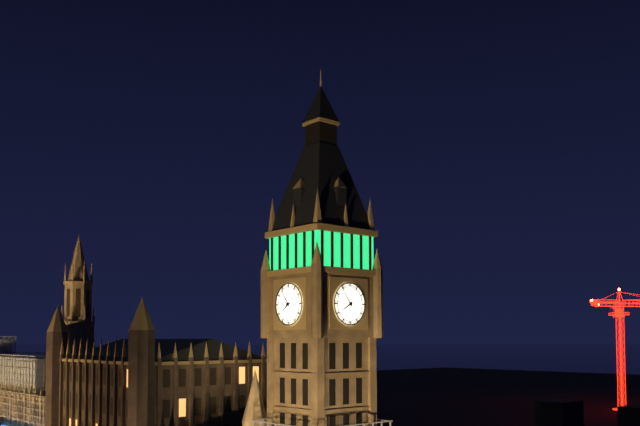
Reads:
h=7 m=54
